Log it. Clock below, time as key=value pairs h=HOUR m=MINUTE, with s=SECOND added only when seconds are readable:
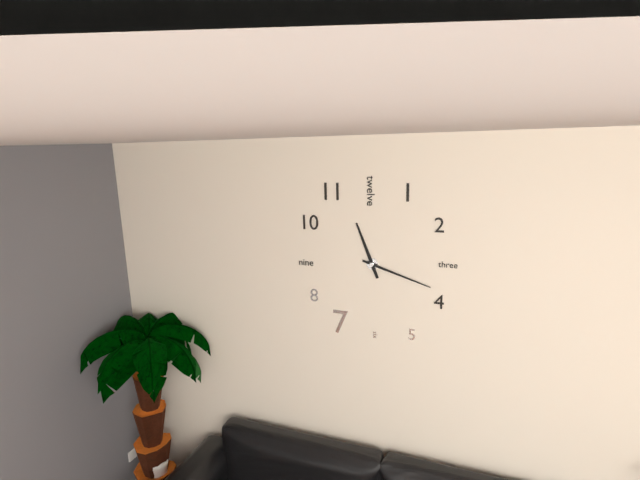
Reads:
h=11 m=18
